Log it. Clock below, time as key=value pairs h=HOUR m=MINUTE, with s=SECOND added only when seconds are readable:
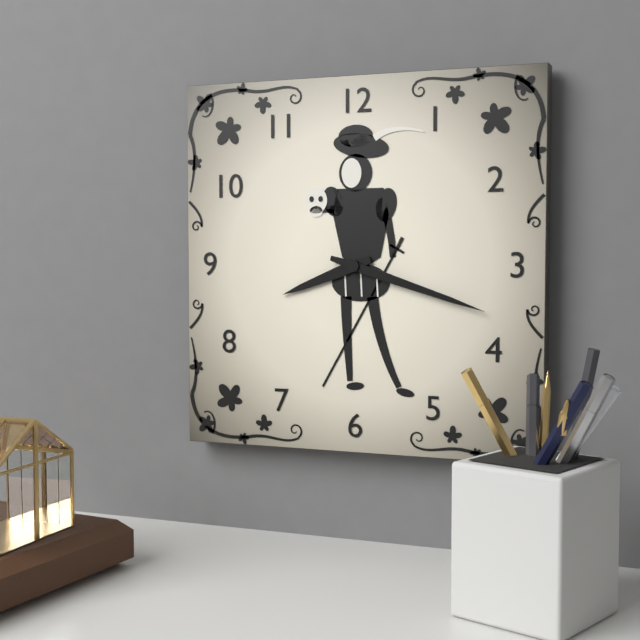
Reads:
h=8 m=18
